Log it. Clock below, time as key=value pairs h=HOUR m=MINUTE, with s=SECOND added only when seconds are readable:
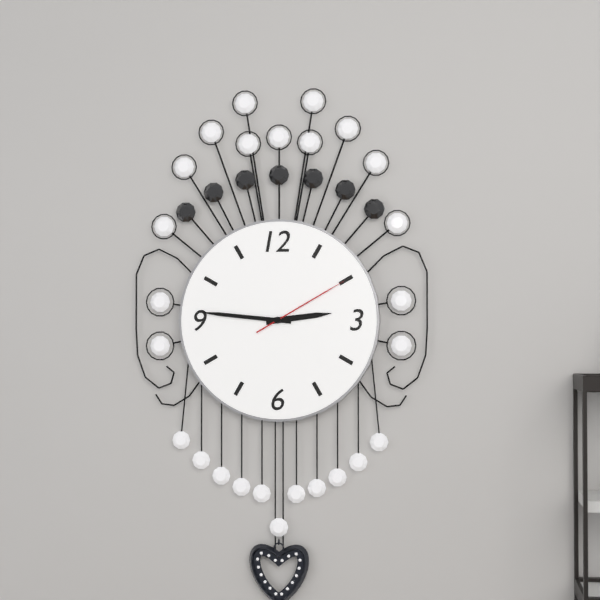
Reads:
h=2 m=46 s=10
